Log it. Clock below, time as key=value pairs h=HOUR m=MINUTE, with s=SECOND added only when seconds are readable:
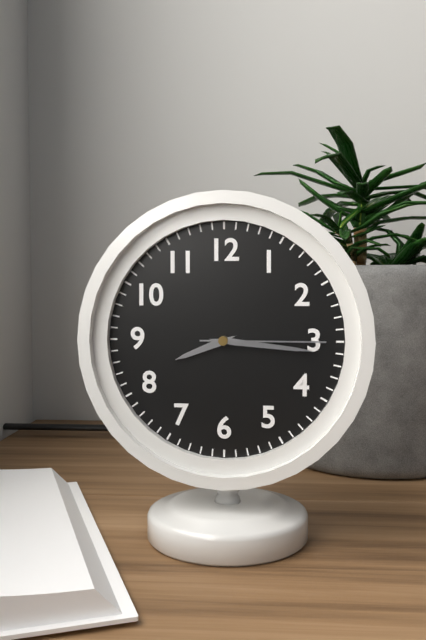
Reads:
h=8 m=16 s=15
